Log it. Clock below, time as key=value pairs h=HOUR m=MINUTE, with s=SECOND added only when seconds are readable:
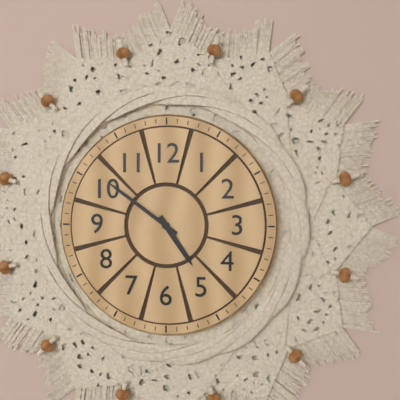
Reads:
h=4 m=51
